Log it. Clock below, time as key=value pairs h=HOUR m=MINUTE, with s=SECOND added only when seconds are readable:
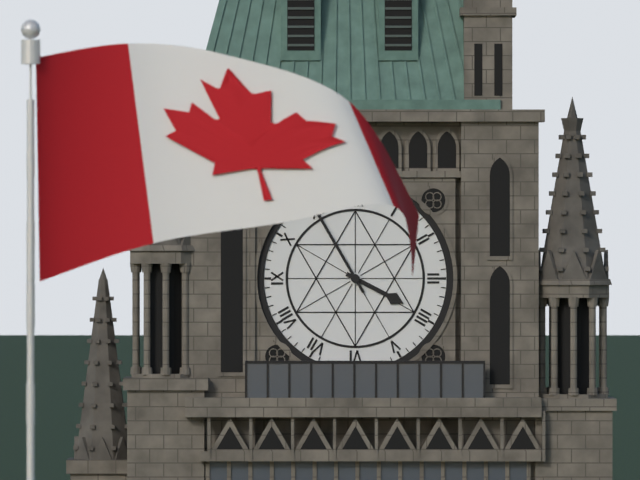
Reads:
h=3 m=55
